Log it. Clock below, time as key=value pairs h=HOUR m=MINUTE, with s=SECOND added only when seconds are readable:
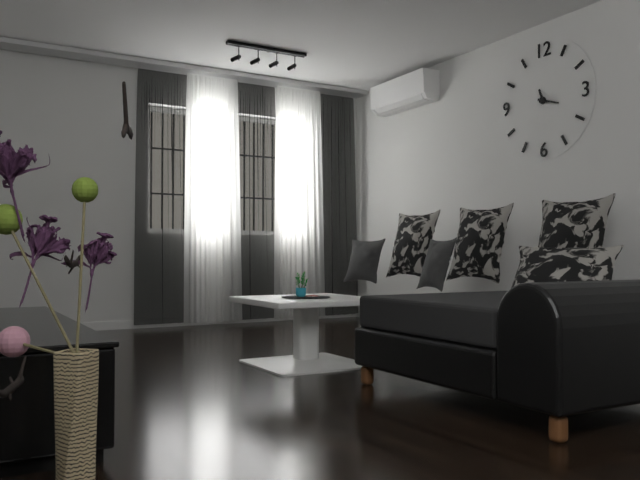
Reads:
h=11 m=18
